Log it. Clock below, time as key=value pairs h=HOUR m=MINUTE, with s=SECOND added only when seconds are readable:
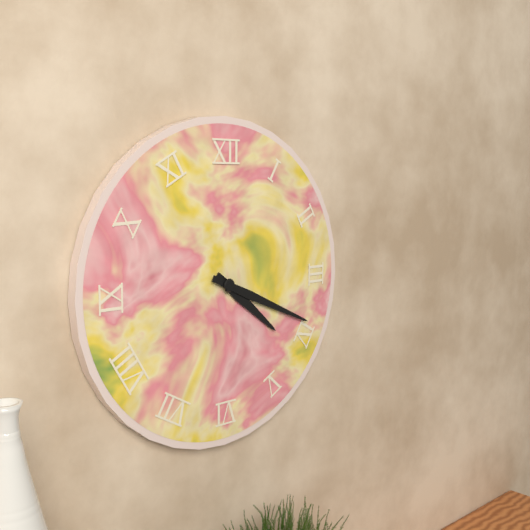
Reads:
h=4 m=19
